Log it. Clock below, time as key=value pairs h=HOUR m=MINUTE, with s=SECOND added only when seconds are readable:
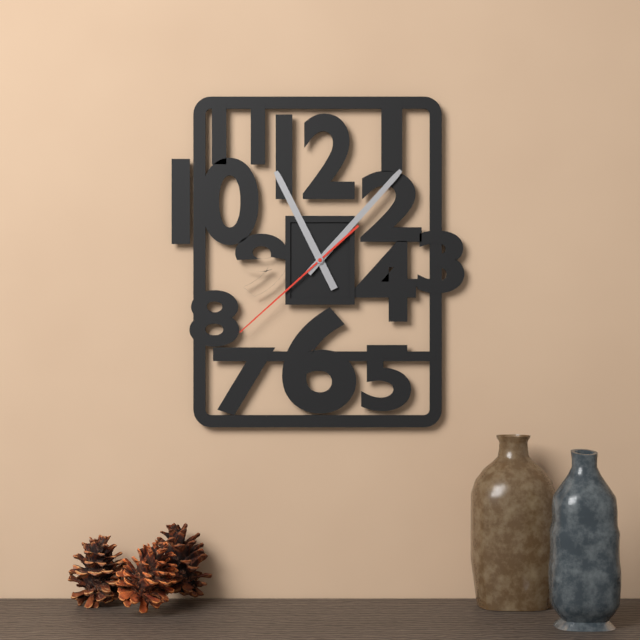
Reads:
h=11 m=7 s=38
